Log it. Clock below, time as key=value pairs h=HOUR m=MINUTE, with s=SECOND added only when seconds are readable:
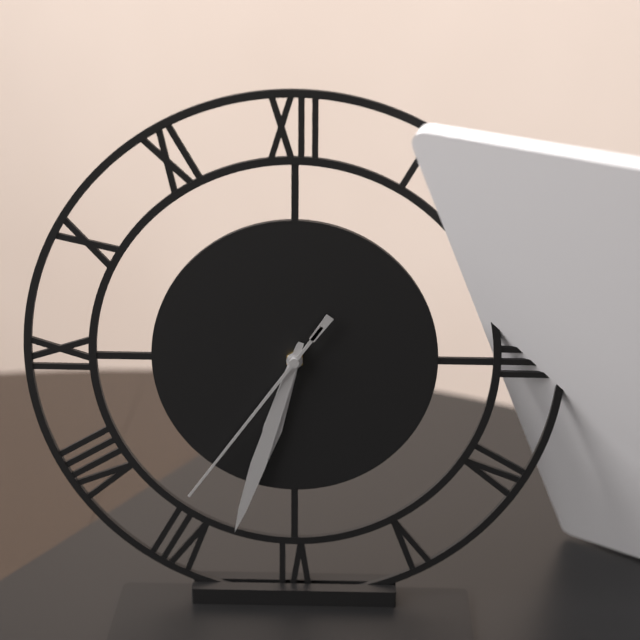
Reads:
h=6 m=33 s=36
